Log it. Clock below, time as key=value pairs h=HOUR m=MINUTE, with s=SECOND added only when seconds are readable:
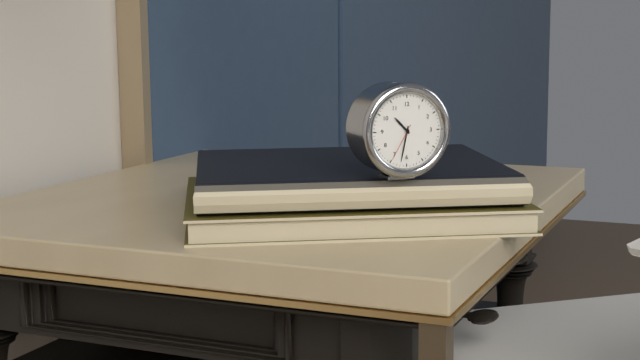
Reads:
h=10 m=32
